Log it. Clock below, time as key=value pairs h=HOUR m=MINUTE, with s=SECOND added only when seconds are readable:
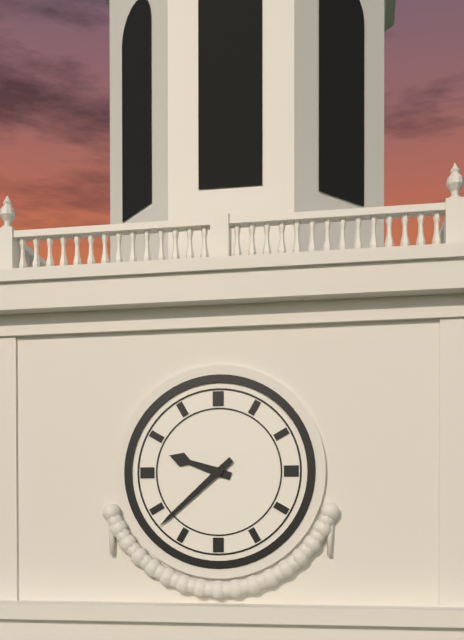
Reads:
h=9 m=38
